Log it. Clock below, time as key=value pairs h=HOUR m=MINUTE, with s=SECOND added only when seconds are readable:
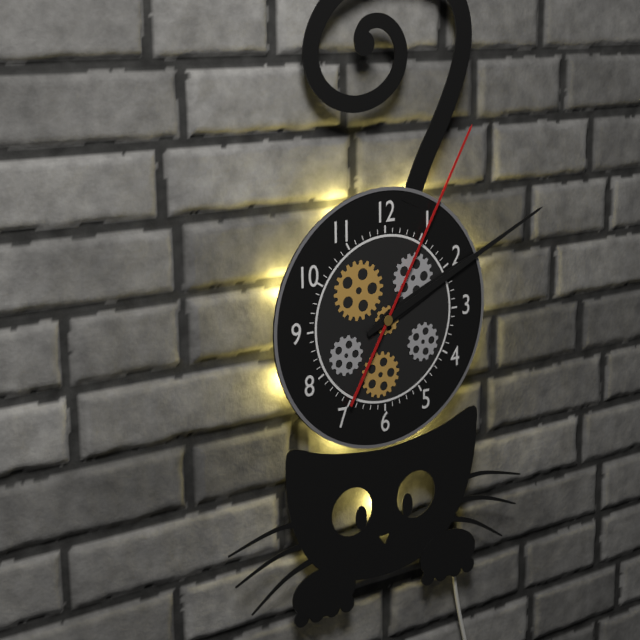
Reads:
h=2 m=11 s=5
